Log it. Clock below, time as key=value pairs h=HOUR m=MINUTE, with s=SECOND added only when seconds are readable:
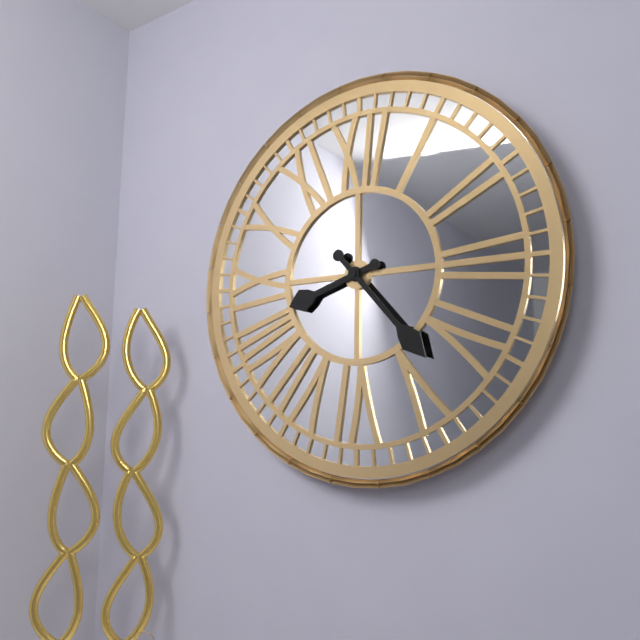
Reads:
h=8 m=23
